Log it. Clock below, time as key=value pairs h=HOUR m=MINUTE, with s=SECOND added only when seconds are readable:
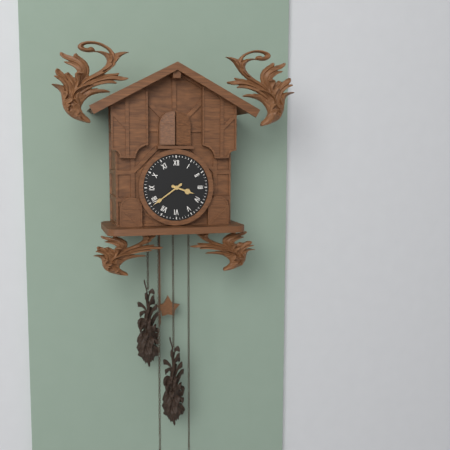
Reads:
h=3 m=39
